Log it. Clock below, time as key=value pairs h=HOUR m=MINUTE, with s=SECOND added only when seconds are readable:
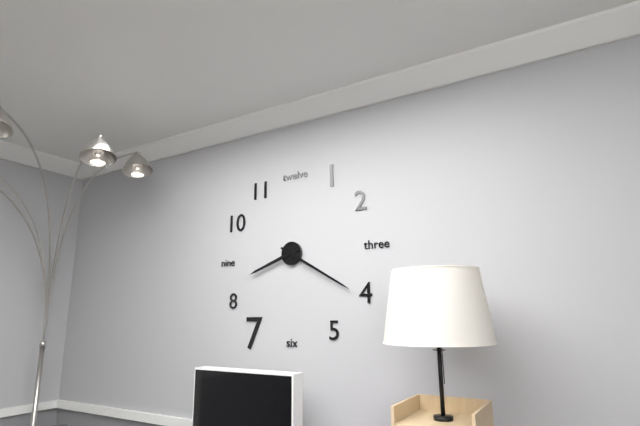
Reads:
h=8 m=20
